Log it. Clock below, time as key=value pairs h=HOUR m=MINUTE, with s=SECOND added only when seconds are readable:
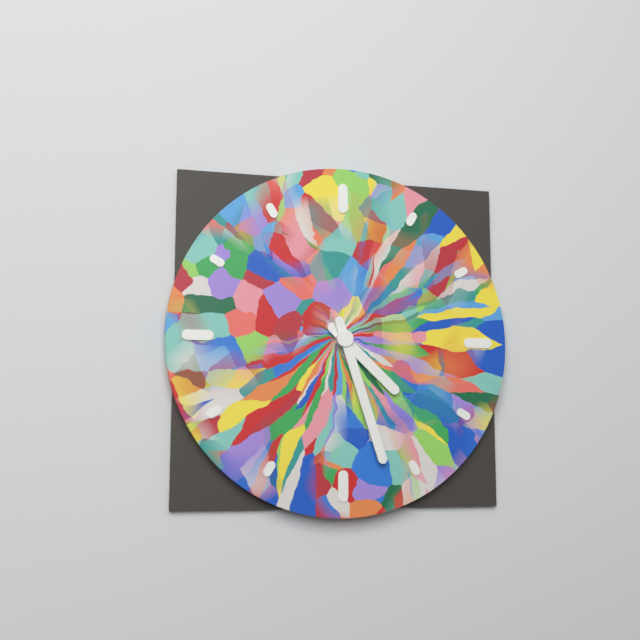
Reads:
h=4 m=27
